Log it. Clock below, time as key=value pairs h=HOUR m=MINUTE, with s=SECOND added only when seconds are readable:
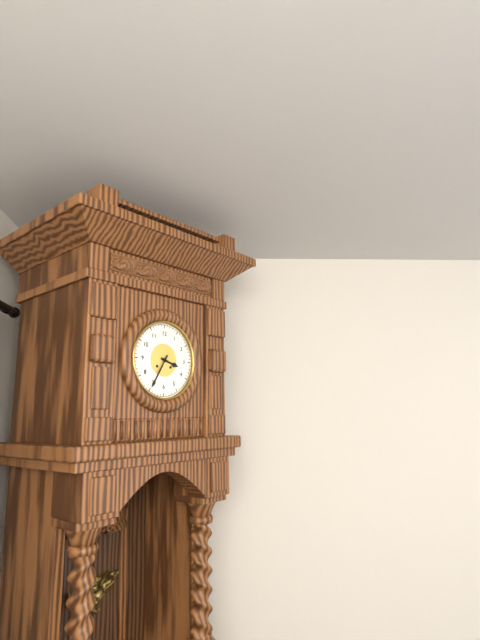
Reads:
h=3 m=35
